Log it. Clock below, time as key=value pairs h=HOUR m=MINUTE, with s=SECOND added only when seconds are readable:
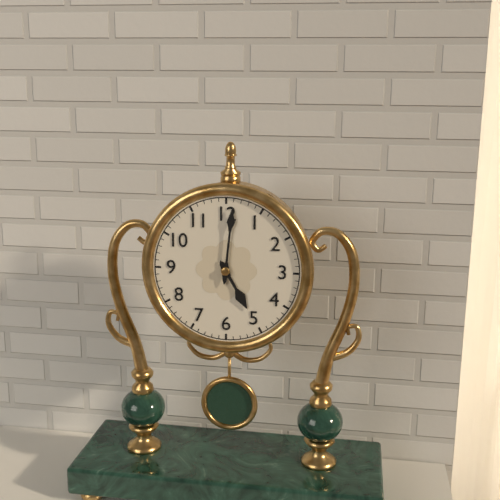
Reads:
h=5 m=1
